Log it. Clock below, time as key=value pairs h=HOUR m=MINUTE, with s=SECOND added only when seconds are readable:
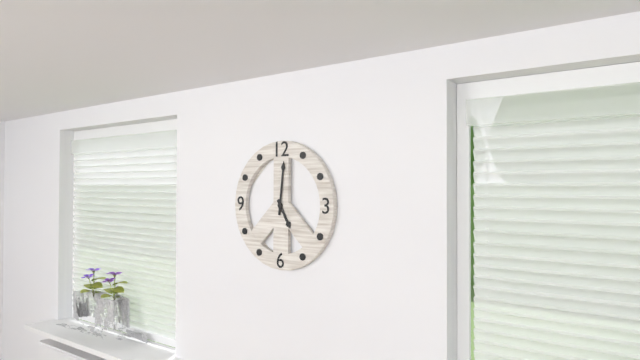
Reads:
h=5 m=1
